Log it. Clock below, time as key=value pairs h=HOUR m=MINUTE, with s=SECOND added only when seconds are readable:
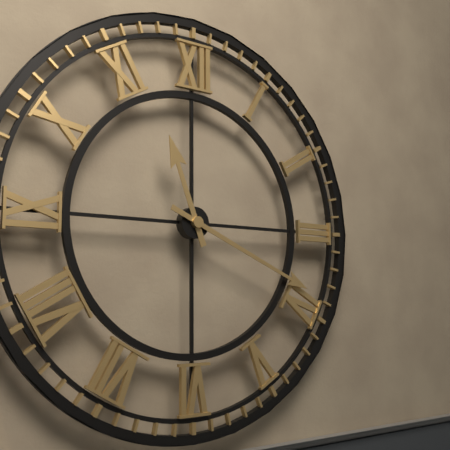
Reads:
h=11 m=19
